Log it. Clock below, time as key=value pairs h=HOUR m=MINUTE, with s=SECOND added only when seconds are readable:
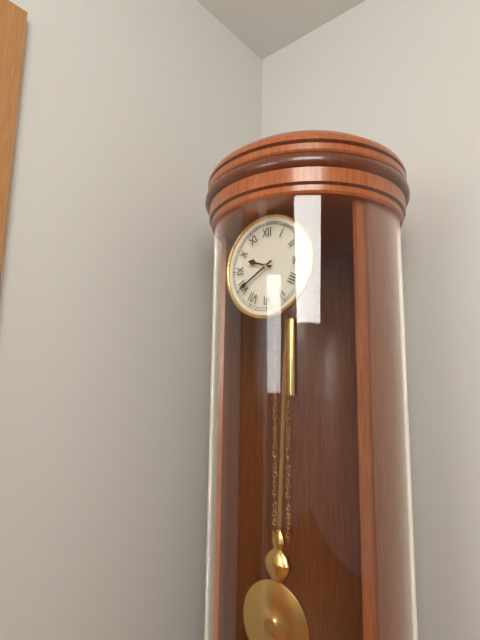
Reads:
h=9 m=40
